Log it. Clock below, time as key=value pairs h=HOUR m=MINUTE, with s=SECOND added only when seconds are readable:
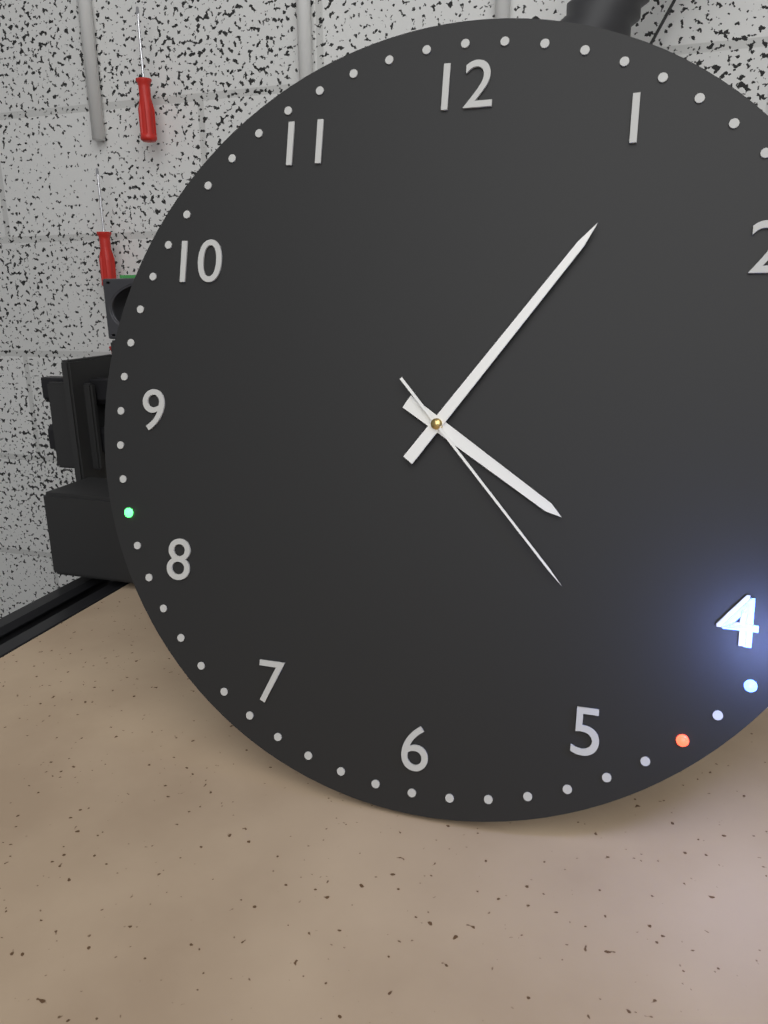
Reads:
h=4 m=6 s=23
